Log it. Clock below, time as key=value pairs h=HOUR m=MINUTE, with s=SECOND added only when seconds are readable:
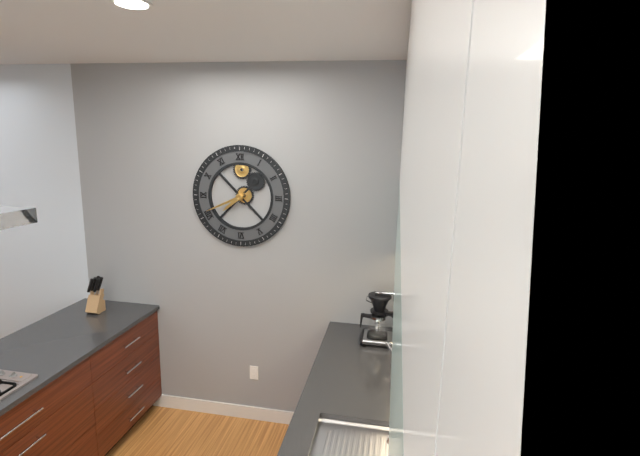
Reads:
h=7 m=41
